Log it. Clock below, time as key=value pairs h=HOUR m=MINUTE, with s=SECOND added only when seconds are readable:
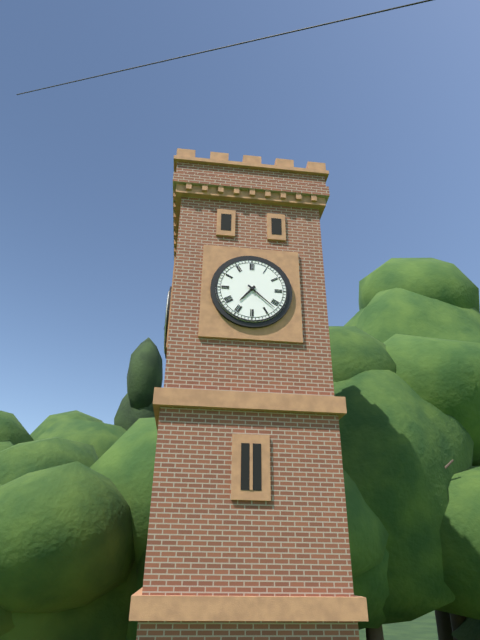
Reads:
h=7 m=22
